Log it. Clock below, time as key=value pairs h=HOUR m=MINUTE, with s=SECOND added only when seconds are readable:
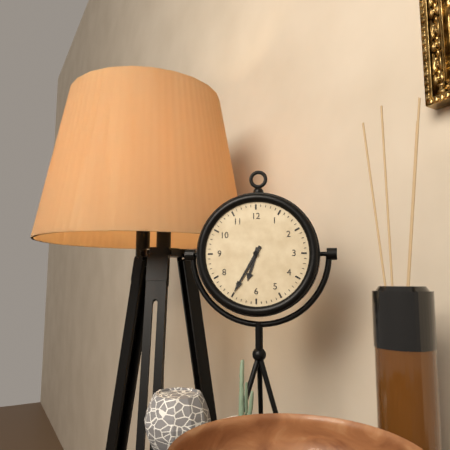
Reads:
h=6 m=35
